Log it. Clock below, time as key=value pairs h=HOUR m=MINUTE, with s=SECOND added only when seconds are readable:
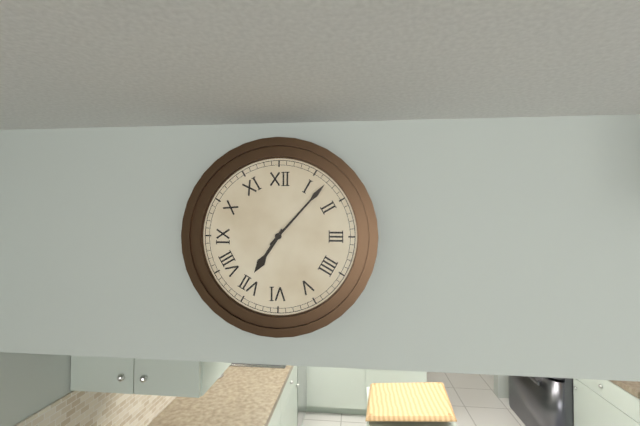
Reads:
h=7 m=7
